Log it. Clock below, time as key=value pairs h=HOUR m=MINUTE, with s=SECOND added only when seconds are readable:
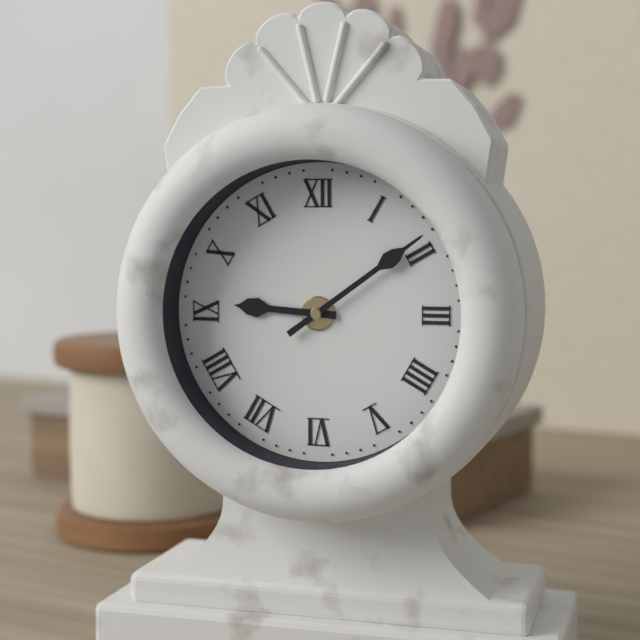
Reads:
h=9 m=9
